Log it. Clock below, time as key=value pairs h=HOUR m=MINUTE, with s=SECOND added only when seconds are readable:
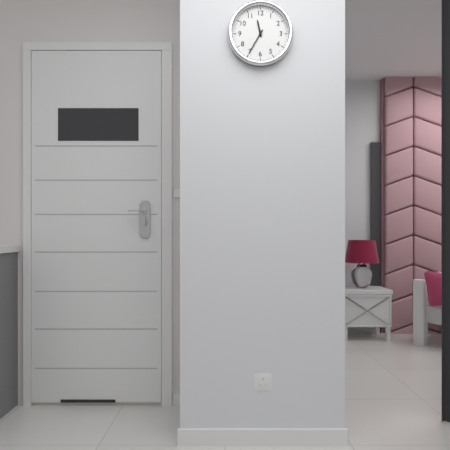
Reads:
h=11 m=35
